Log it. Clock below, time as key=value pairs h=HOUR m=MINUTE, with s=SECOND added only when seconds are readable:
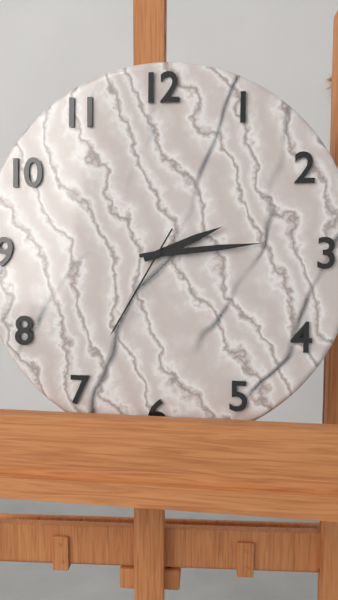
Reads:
h=2 m=14 s=35
